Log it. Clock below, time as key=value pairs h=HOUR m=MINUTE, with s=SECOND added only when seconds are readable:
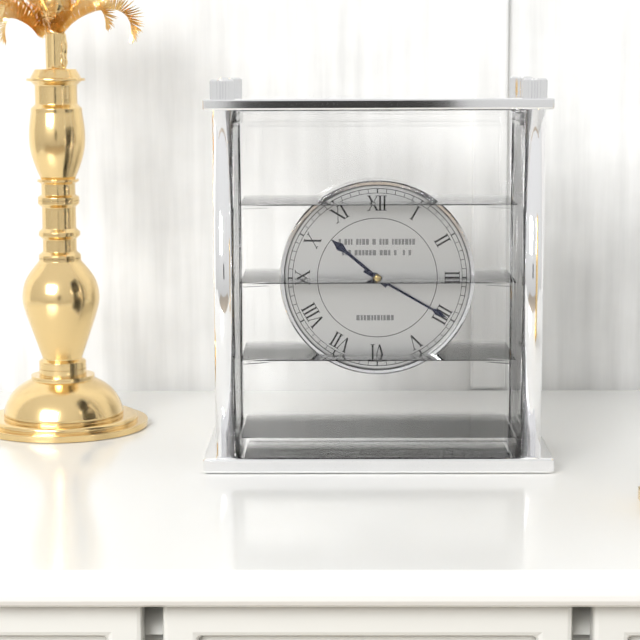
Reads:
h=10 m=20
